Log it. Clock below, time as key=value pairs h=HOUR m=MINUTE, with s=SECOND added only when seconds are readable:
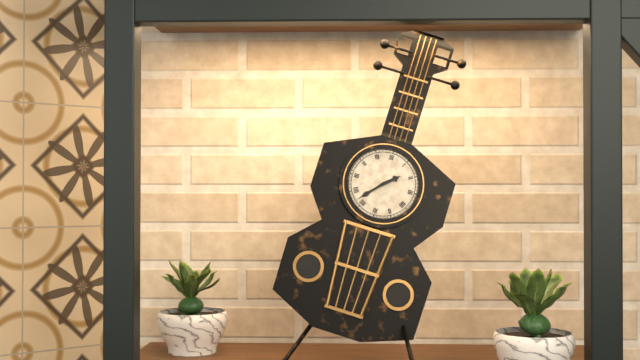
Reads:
h=1 m=37
